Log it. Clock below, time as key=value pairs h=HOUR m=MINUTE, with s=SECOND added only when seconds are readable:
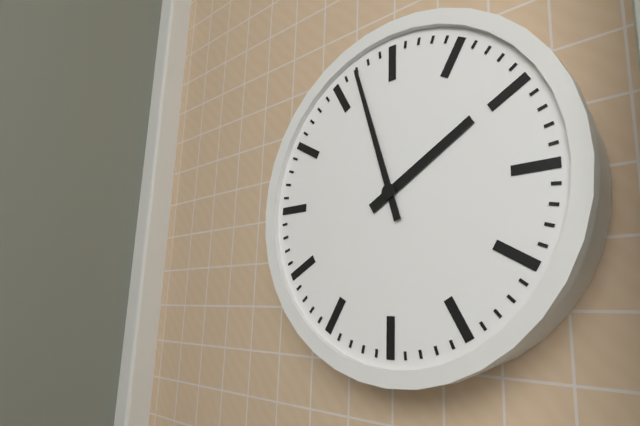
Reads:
h=1 m=57
